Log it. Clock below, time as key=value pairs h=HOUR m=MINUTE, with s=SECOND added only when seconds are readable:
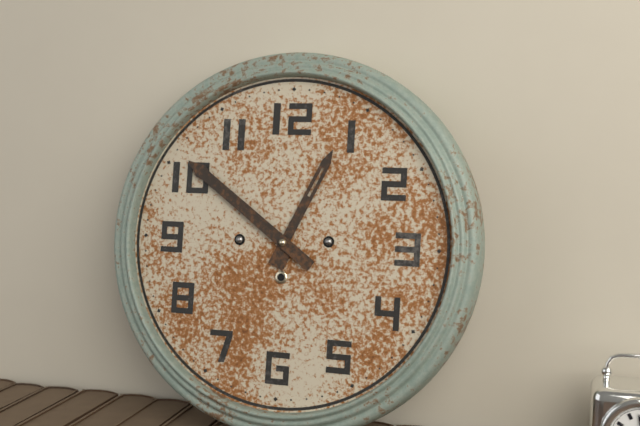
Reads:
h=12 m=51
